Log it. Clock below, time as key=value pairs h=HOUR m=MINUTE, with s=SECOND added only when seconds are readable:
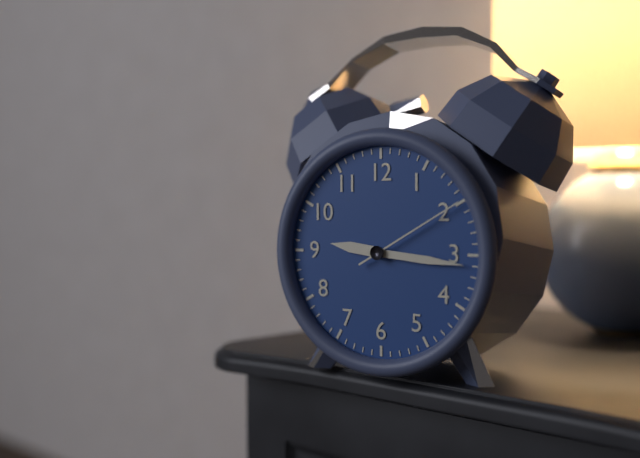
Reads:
h=9 m=16 s=10
